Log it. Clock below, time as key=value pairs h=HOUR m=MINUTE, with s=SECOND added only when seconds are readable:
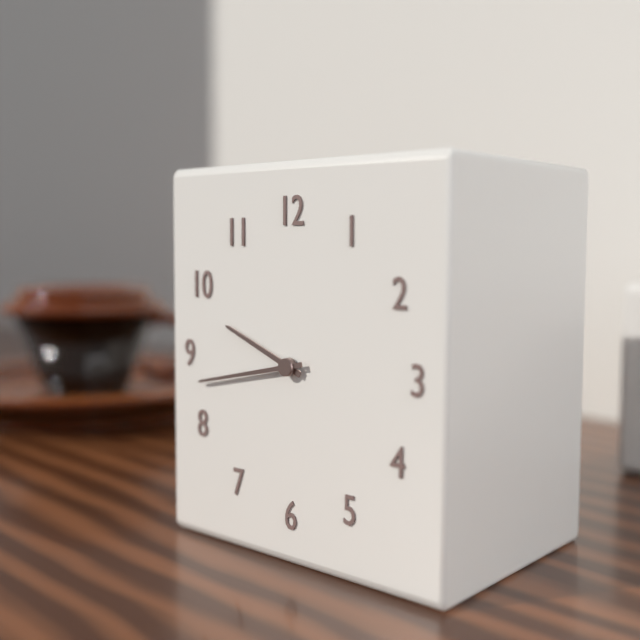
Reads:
h=9 m=43
